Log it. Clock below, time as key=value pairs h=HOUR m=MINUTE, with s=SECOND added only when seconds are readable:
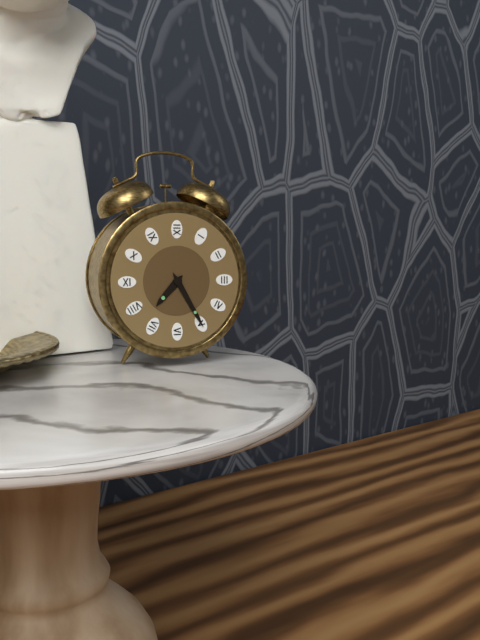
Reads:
h=7 m=25
